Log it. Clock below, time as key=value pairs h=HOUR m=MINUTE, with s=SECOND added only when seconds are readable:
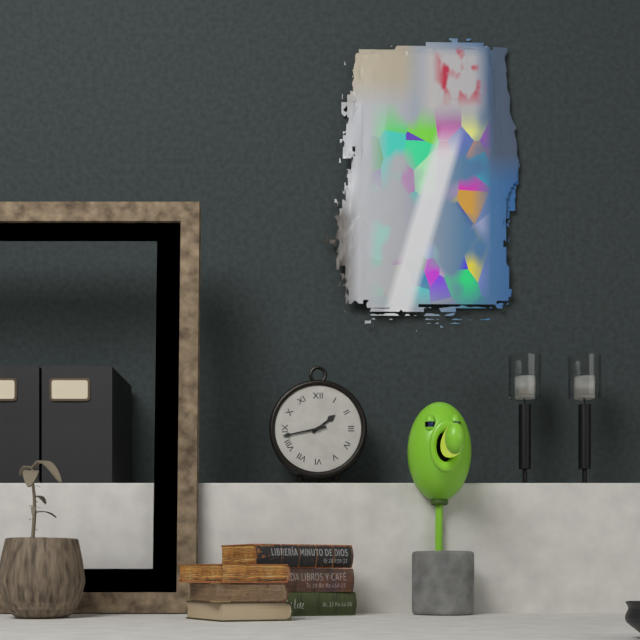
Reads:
h=1 m=43
